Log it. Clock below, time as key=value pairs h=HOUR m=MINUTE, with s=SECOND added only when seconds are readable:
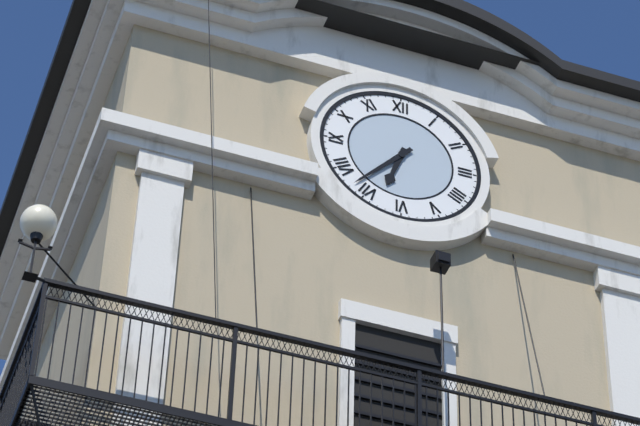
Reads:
h=6 m=37
